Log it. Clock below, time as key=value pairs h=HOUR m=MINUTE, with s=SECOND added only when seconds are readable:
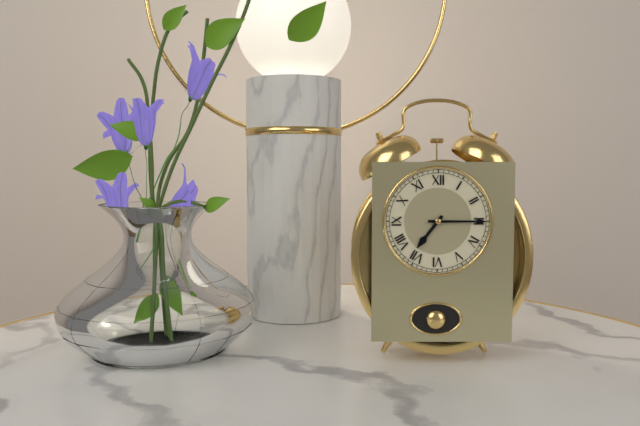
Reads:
h=7 m=15
